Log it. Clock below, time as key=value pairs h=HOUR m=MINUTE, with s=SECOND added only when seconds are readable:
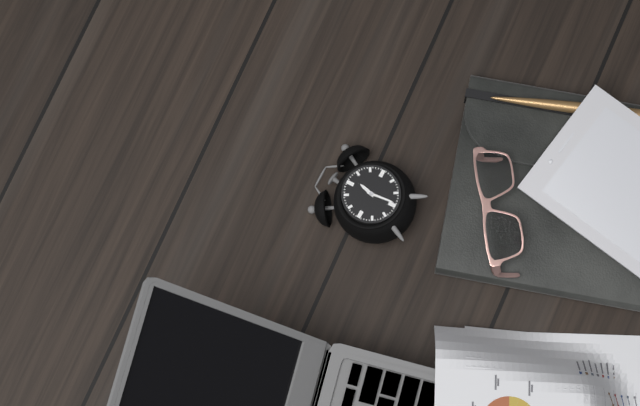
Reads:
h=12 m=29
